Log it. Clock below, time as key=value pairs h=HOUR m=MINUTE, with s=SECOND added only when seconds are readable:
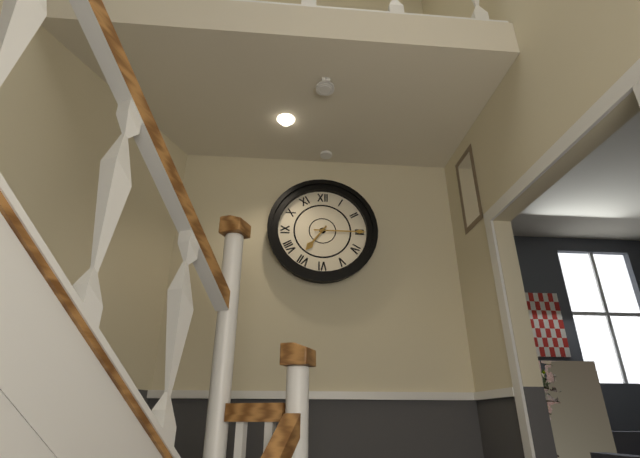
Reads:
h=7 m=15
